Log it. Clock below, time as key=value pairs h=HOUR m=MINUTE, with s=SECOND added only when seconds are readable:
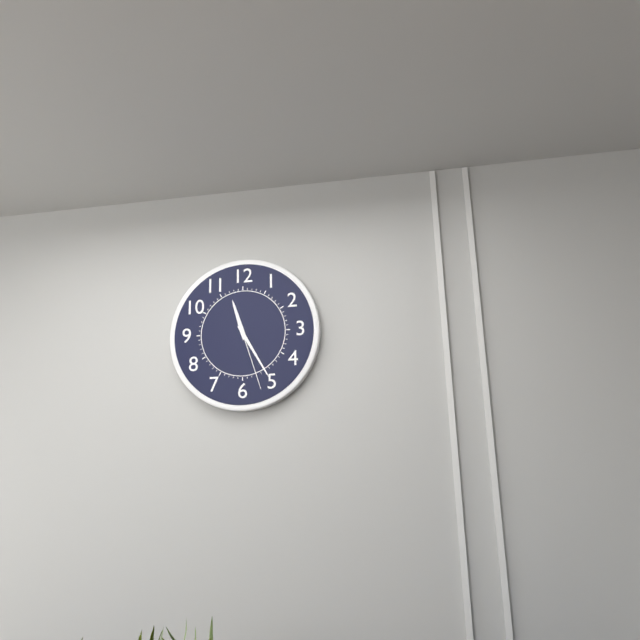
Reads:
h=11 m=25 s=27
